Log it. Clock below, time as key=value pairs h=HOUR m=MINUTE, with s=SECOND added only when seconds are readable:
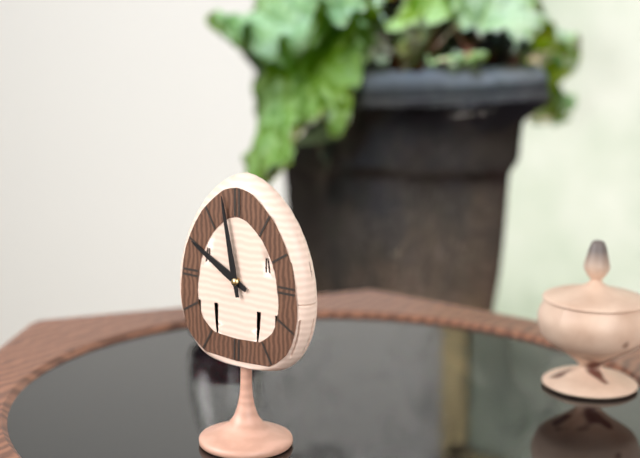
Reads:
h=9 m=58
